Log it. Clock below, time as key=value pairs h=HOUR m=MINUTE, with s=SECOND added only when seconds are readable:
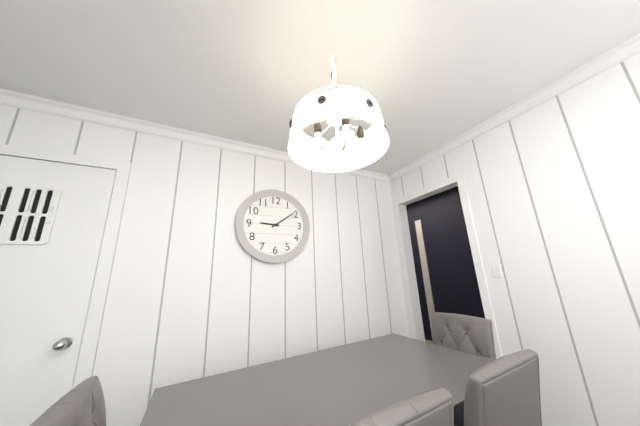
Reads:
h=9 m=9
